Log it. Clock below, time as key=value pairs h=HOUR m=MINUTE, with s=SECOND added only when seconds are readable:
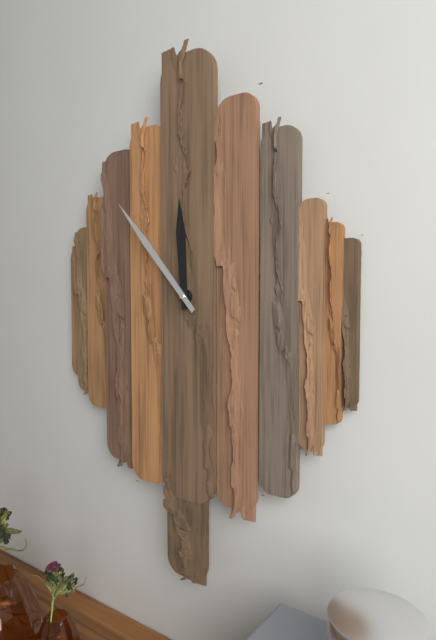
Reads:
h=11 m=53
